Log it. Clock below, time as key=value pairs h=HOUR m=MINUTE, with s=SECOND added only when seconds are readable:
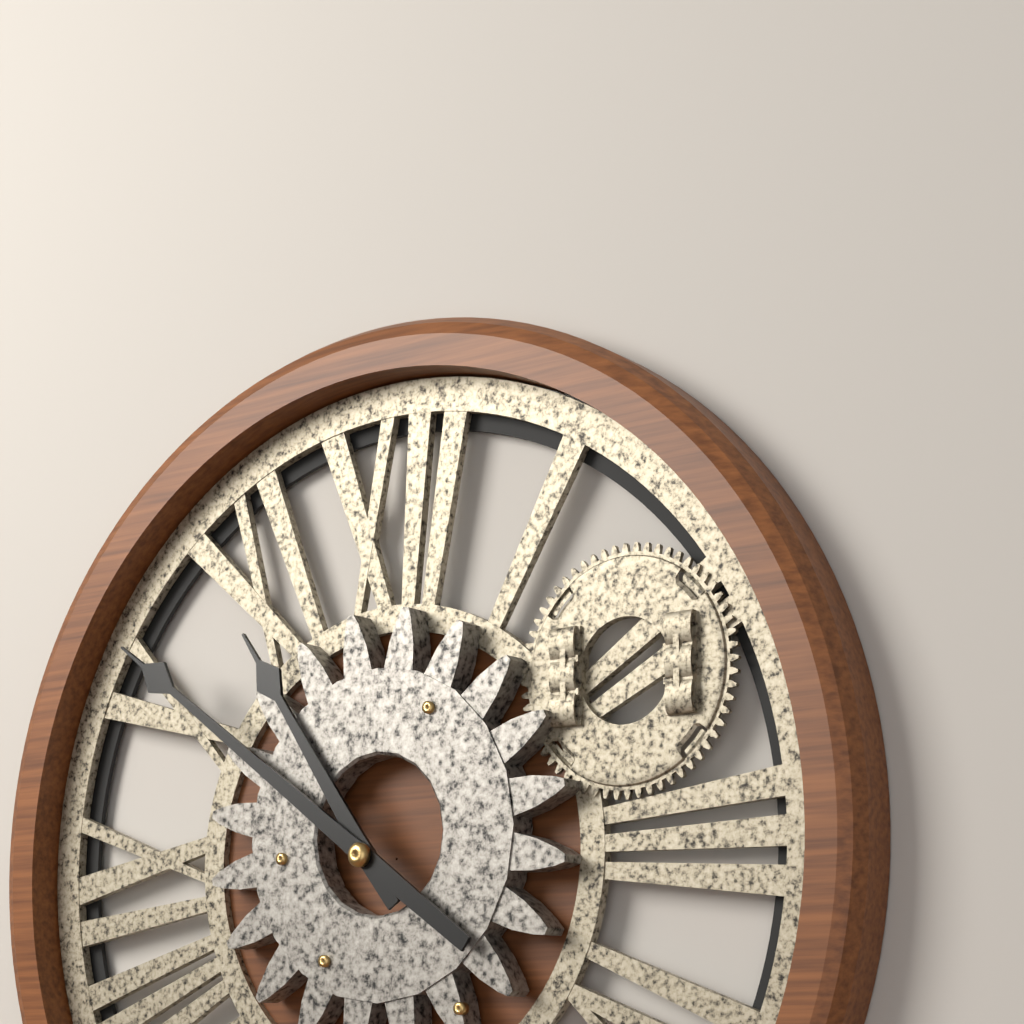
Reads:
h=10 m=51
